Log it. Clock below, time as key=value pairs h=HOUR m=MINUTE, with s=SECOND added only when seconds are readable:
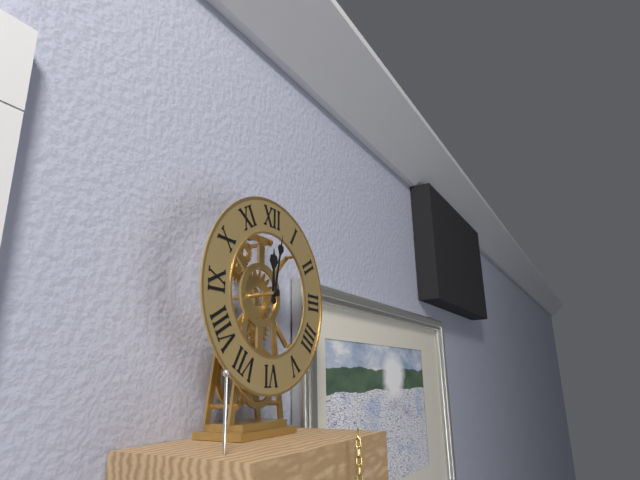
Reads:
h=12 m=2
